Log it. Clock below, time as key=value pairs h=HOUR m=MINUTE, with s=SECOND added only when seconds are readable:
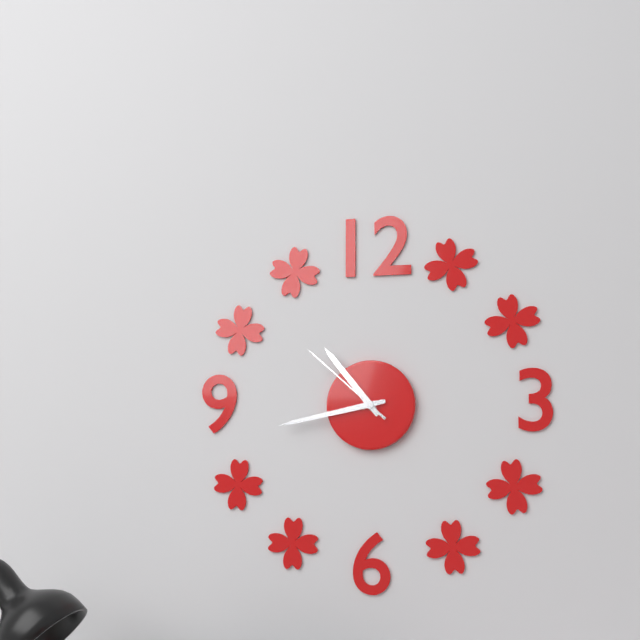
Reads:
h=10 m=43 s=52
